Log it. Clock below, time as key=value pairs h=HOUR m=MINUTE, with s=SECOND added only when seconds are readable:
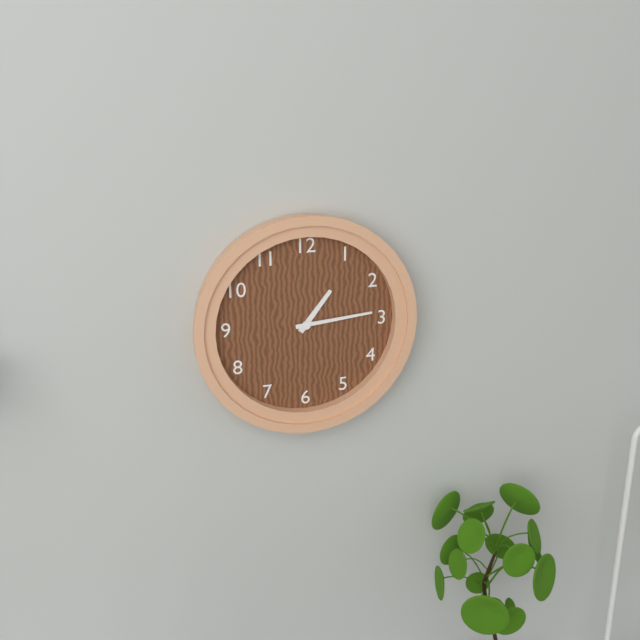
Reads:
h=1 m=14
